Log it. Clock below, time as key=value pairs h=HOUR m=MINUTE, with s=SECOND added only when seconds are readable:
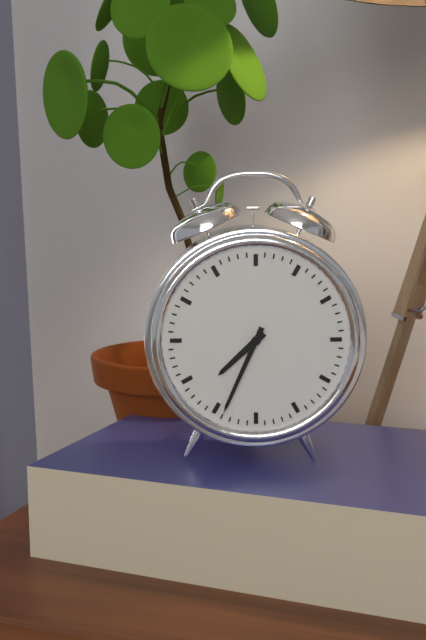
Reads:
h=7 m=34
